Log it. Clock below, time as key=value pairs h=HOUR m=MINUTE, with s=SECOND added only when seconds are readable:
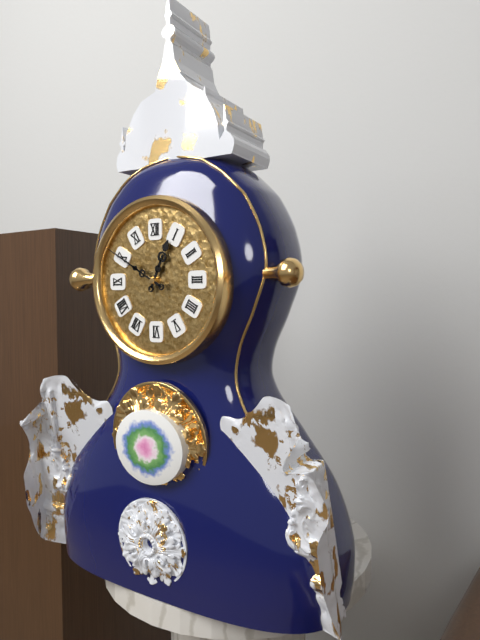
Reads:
h=12 m=50
